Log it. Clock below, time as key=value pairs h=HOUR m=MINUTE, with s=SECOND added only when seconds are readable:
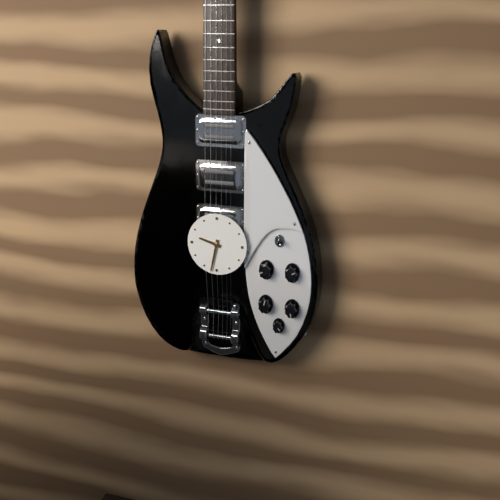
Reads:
h=9 m=32
